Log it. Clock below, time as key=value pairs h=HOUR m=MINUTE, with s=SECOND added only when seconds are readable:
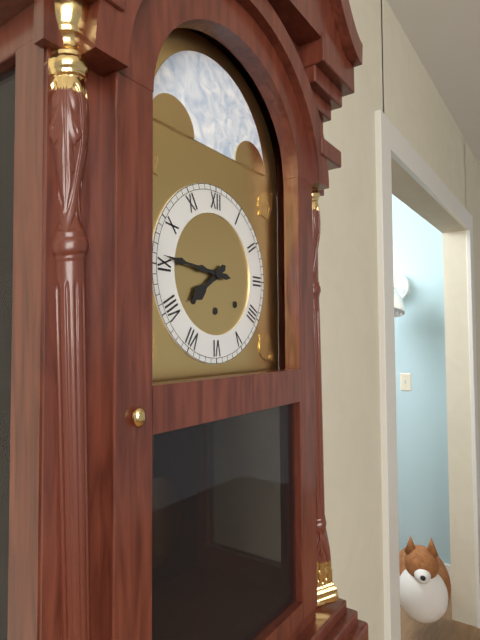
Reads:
h=7 m=46
